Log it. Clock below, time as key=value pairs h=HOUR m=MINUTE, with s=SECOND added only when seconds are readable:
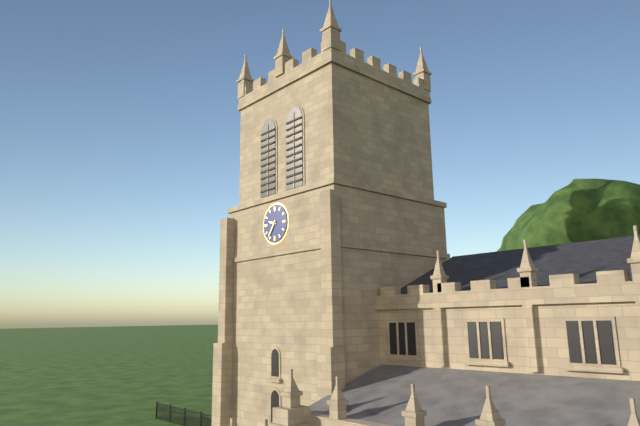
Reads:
h=9 m=36
